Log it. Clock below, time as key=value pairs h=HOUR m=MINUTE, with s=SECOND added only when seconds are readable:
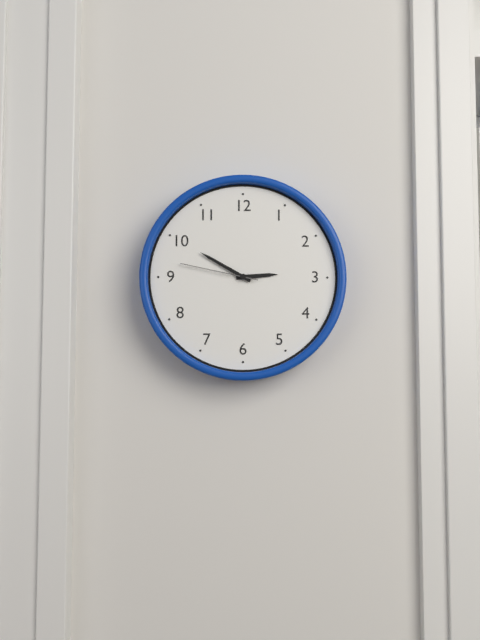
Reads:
h=2 m=50 s=47
